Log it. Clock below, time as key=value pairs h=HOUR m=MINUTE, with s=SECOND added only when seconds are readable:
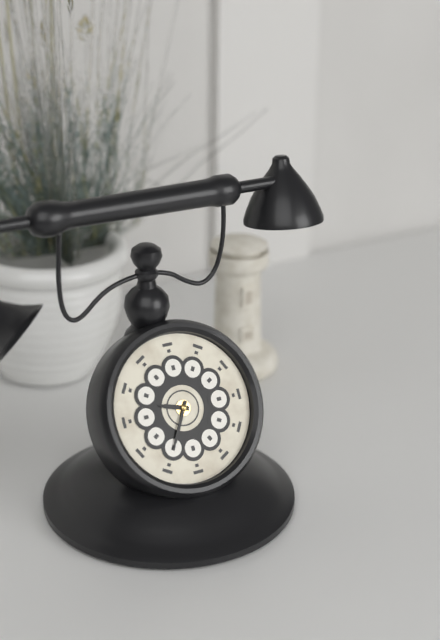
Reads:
h=9 m=35
